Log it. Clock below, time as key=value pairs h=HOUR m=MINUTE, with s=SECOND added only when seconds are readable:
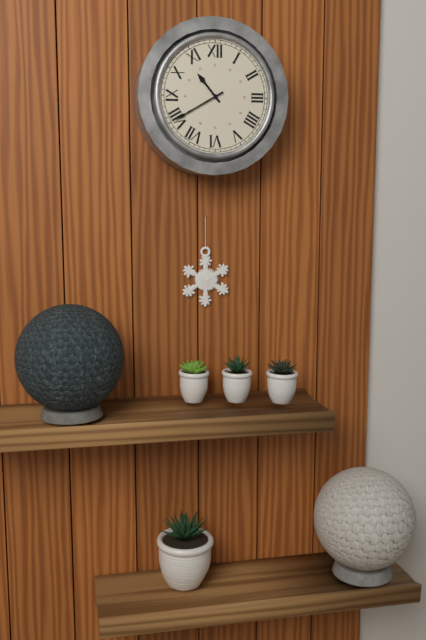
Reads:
h=10 m=40
